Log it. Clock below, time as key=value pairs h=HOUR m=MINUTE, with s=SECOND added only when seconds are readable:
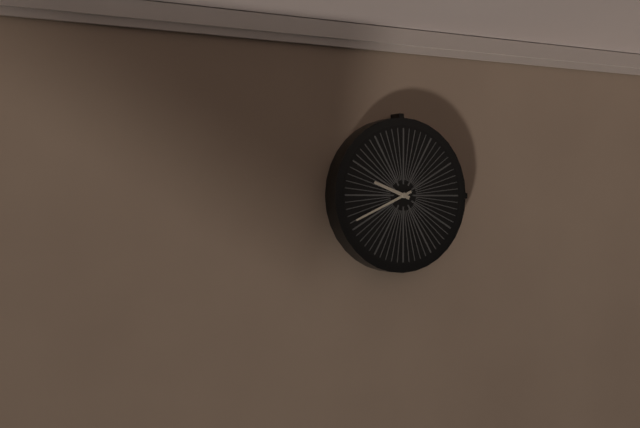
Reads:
h=9 m=41
